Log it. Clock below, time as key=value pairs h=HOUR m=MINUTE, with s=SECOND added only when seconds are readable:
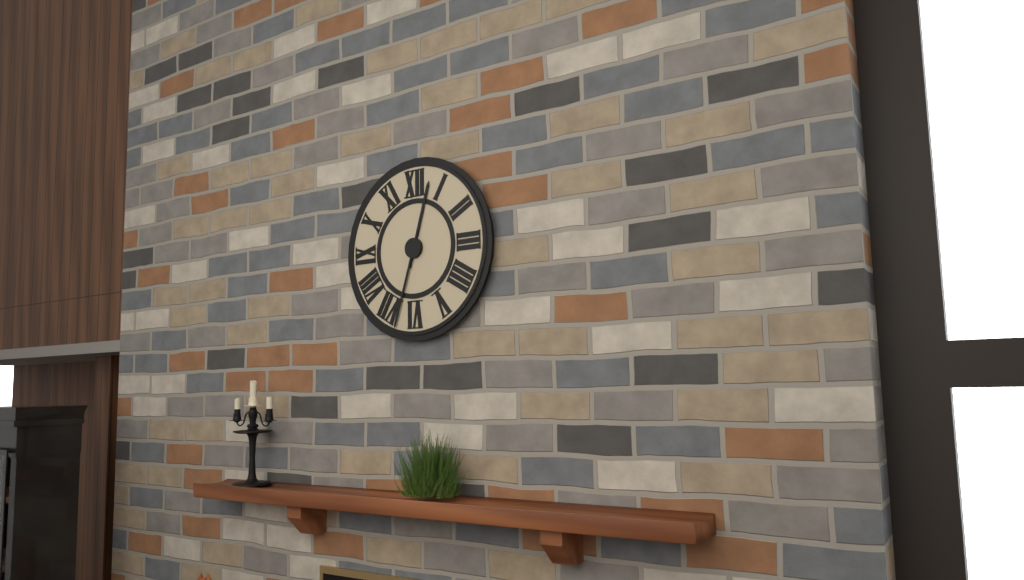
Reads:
h=12 m=33
